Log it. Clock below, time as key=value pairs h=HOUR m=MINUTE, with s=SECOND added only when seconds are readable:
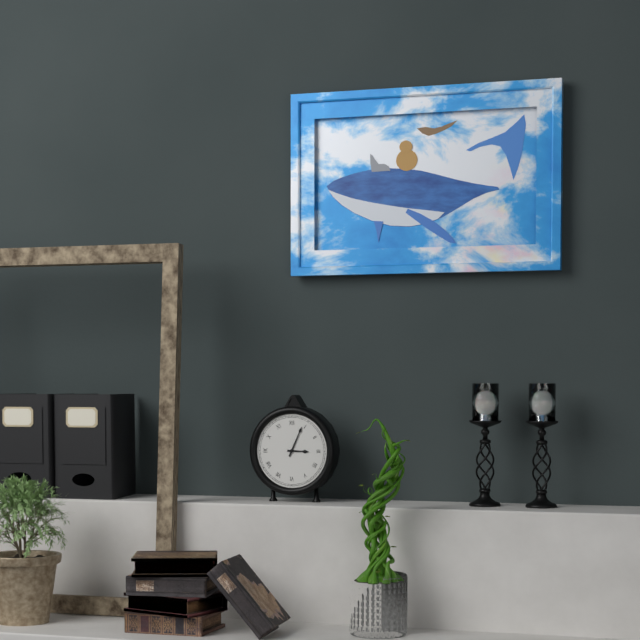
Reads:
h=3 m=4
